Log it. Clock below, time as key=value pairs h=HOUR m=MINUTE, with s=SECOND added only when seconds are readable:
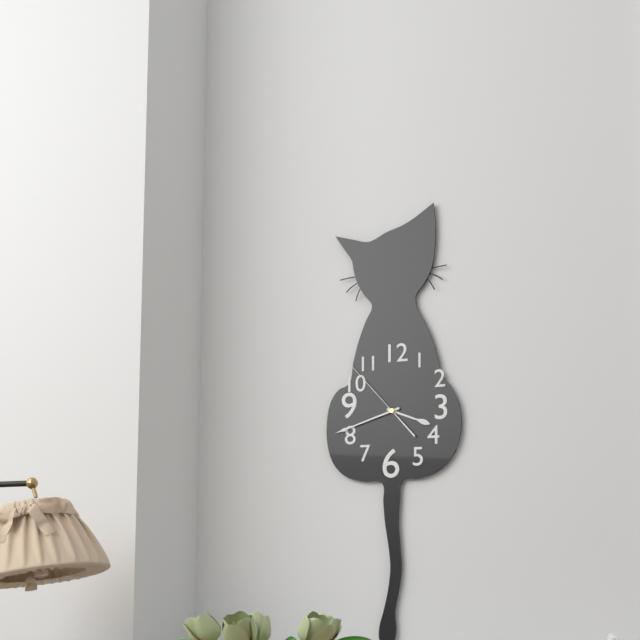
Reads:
h=3 m=42 s=53
